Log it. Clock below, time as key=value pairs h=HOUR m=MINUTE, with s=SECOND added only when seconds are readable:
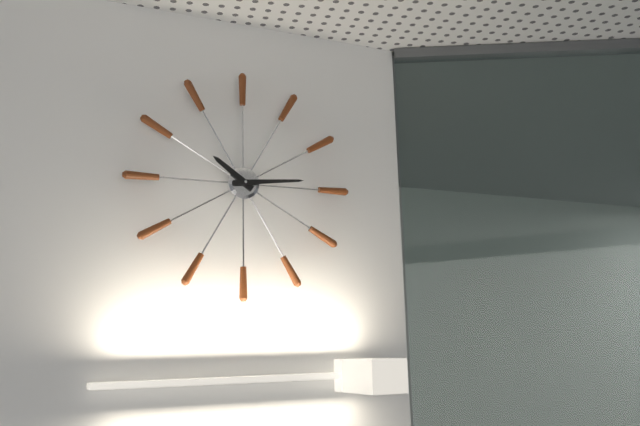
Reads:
h=10 m=14
